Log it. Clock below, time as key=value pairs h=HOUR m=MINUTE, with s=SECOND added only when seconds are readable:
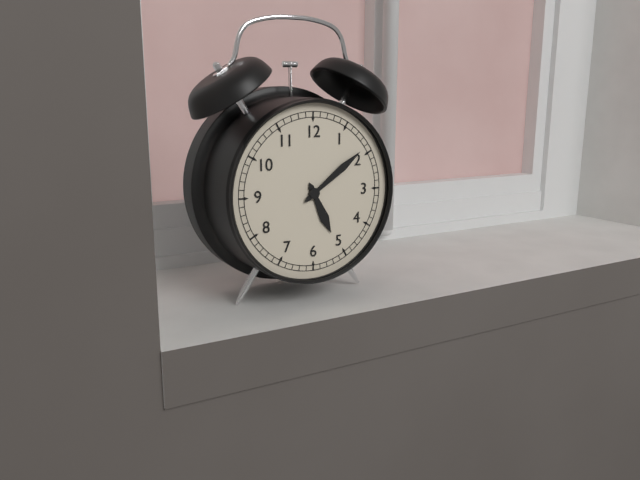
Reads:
h=5 m=9
